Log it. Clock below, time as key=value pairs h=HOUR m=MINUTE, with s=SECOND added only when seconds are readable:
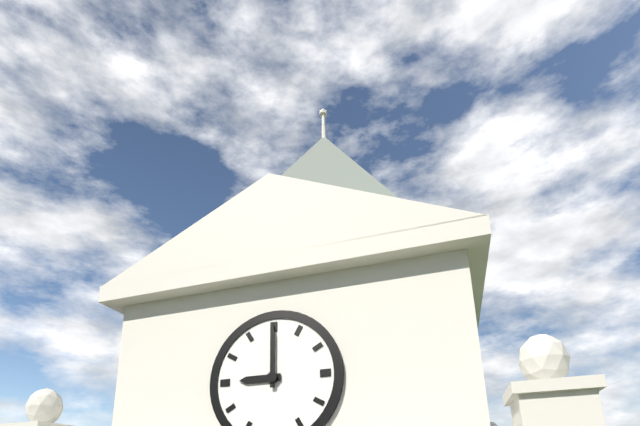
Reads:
h=9 m=0
